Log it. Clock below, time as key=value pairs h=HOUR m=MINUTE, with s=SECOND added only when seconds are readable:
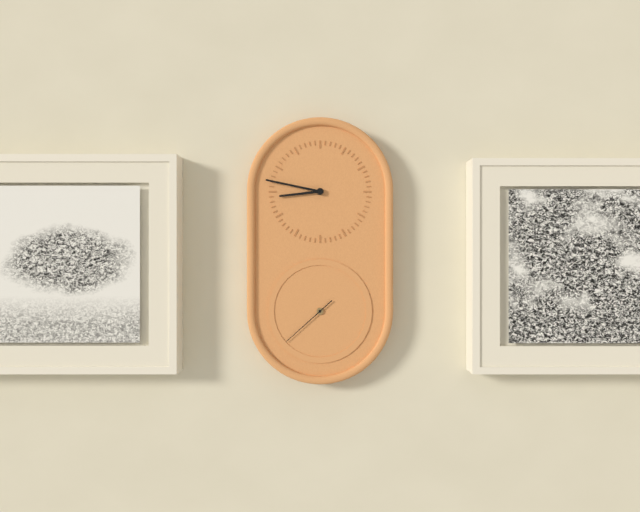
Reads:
h=8 m=47 s=38
